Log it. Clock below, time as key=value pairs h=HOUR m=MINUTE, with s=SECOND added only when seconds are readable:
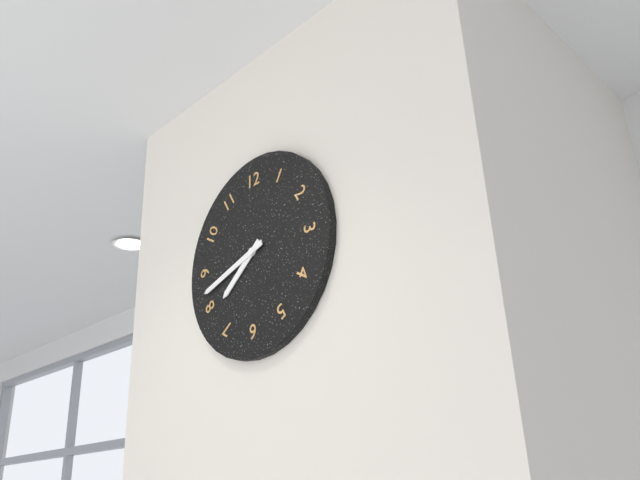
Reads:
h=7 m=42
